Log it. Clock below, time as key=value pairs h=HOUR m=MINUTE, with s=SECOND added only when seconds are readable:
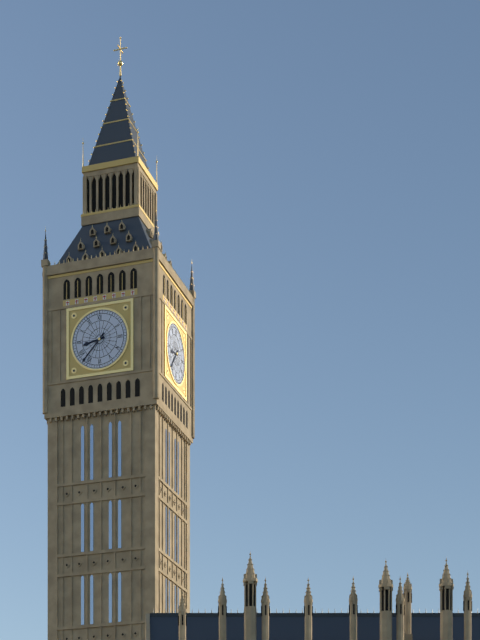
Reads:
h=8 m=37
